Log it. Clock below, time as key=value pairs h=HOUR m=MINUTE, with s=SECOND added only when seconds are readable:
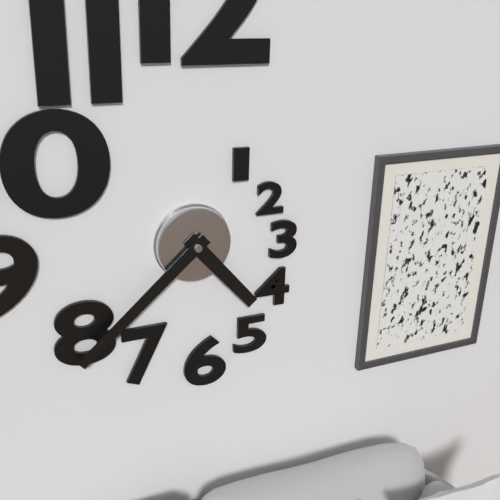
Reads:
h=4 m=38
